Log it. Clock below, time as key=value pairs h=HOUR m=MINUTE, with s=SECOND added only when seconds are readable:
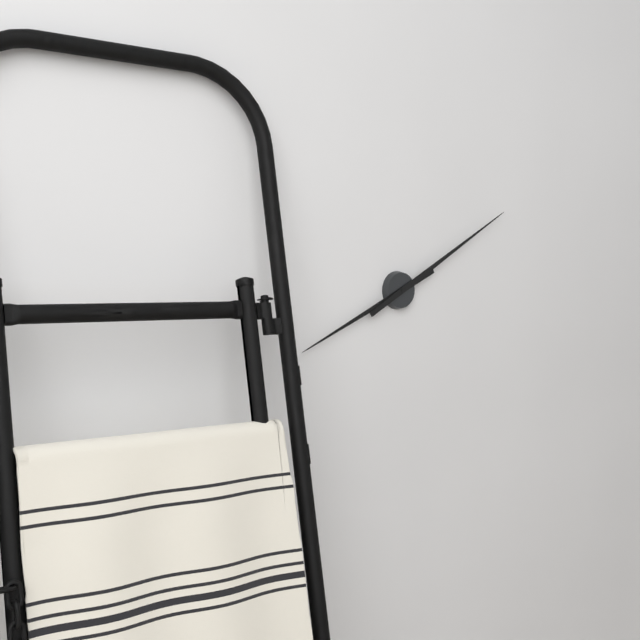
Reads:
h=8 m=10
